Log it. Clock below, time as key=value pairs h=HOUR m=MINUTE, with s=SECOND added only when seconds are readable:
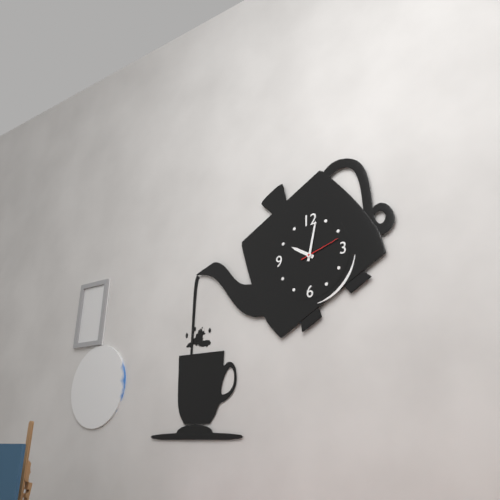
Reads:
h=10 m=2
